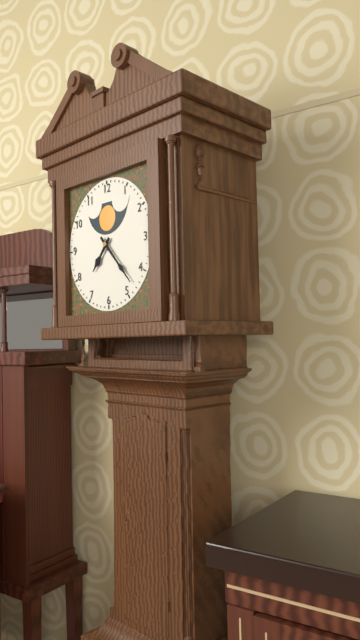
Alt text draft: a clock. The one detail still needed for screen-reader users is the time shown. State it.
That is 7:23
